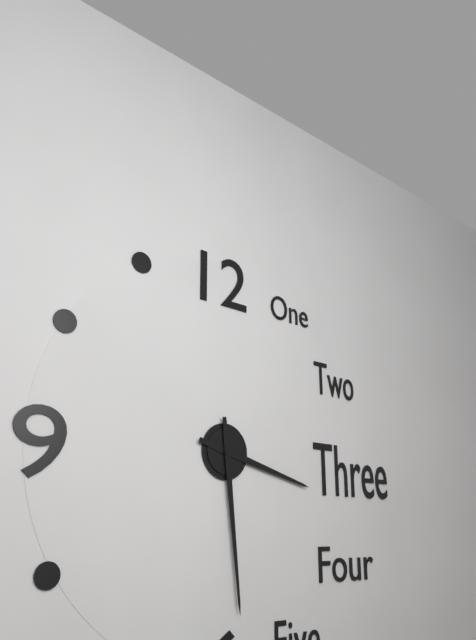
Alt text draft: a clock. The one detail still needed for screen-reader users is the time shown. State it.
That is 3:29
